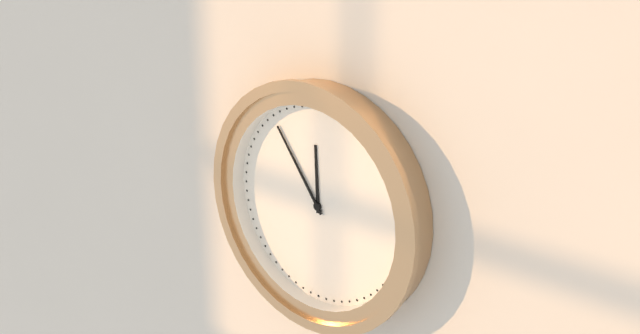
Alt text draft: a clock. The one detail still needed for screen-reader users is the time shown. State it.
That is 11:54
